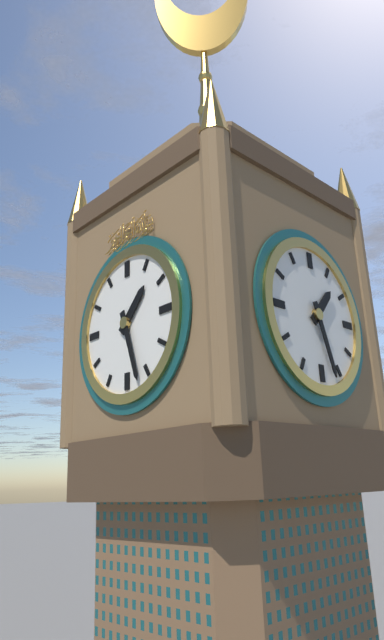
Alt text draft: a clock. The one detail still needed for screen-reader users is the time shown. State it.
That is 1:27
